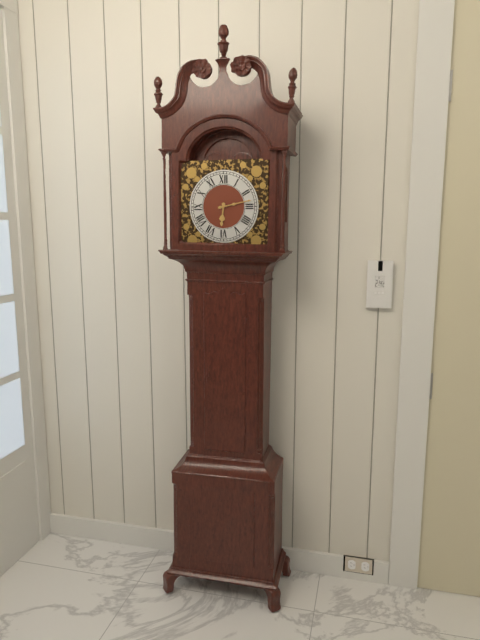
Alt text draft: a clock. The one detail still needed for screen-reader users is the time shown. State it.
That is 6:13
